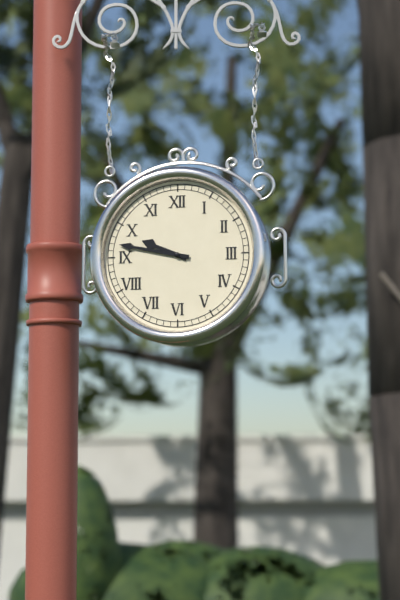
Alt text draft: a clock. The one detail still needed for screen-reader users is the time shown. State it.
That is 9:47
